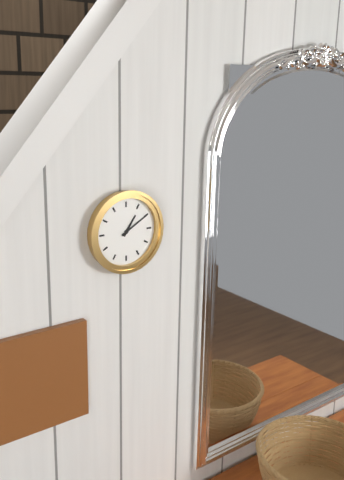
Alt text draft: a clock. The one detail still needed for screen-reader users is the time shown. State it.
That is 1:10
